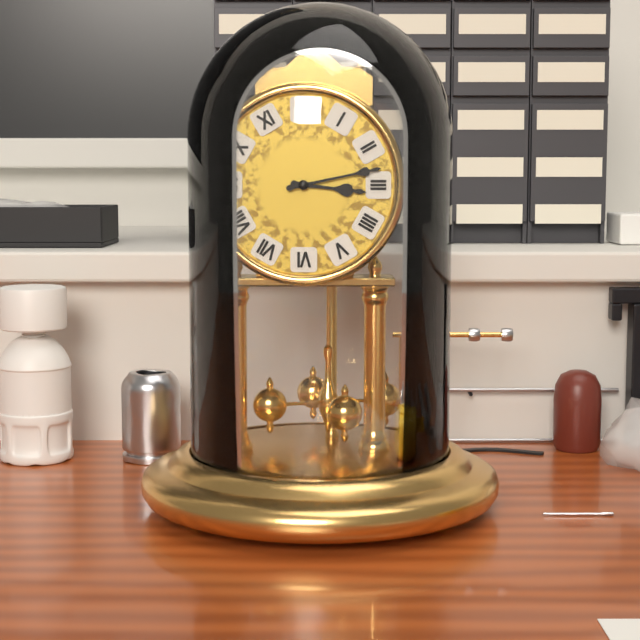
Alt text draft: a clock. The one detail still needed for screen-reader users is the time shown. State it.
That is 3:13
